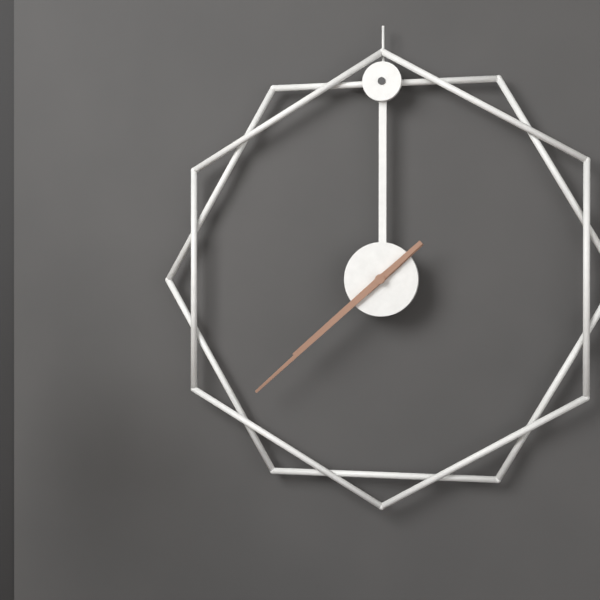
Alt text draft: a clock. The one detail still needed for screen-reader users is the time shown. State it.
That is 7:38
